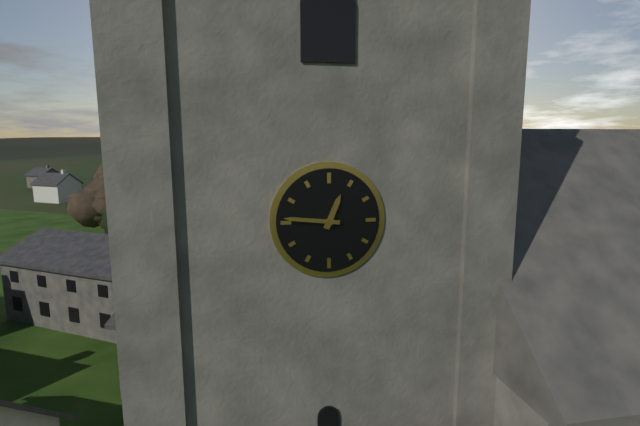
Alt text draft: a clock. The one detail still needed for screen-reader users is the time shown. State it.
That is 12:46
